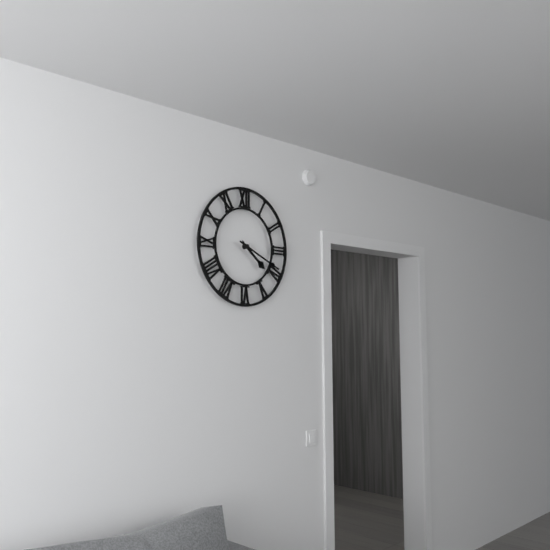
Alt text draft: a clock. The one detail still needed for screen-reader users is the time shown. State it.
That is 4:19
